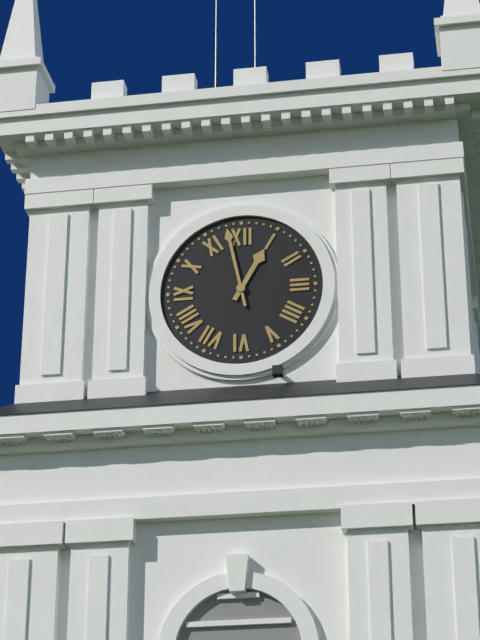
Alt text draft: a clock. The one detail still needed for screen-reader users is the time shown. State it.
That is 12:58
